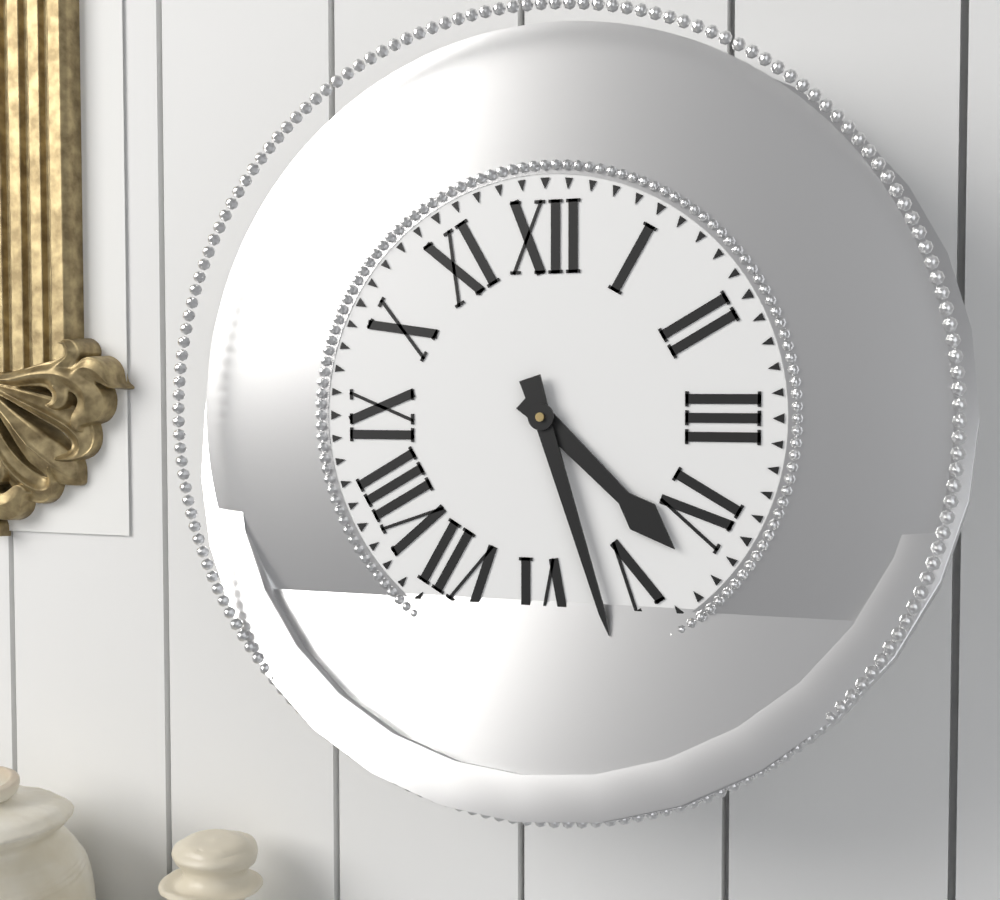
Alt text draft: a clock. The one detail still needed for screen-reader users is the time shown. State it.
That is 4:27
